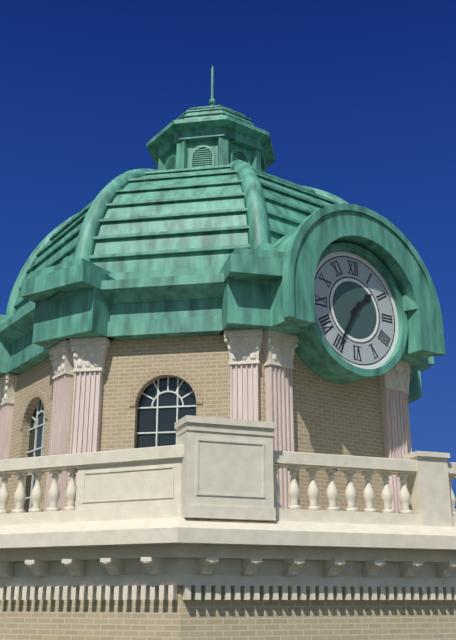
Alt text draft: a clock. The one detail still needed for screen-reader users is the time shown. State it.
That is 1:35
